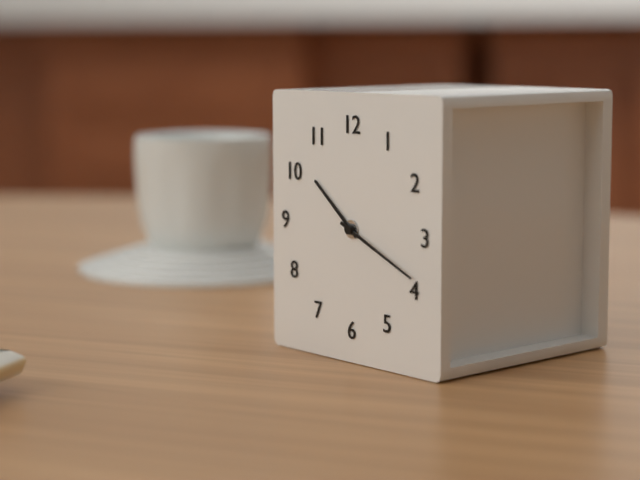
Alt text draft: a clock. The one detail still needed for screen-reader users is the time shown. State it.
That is 10:19
